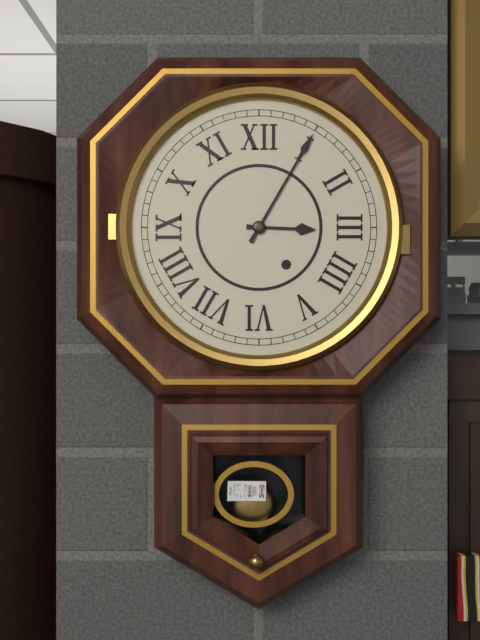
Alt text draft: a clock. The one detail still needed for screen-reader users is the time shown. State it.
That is 3:05
